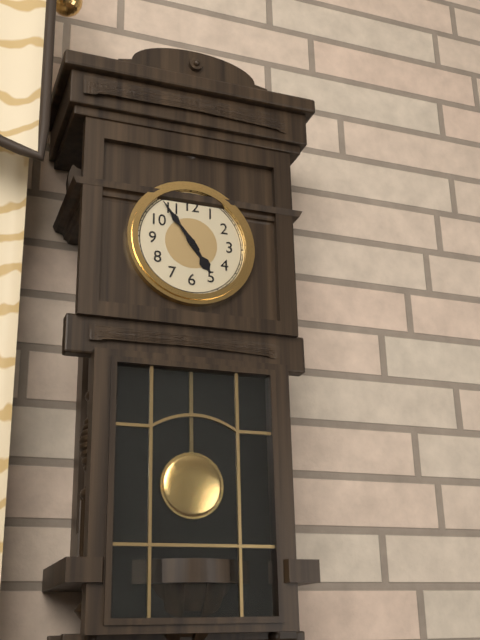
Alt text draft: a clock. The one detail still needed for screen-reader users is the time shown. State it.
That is 4:54
